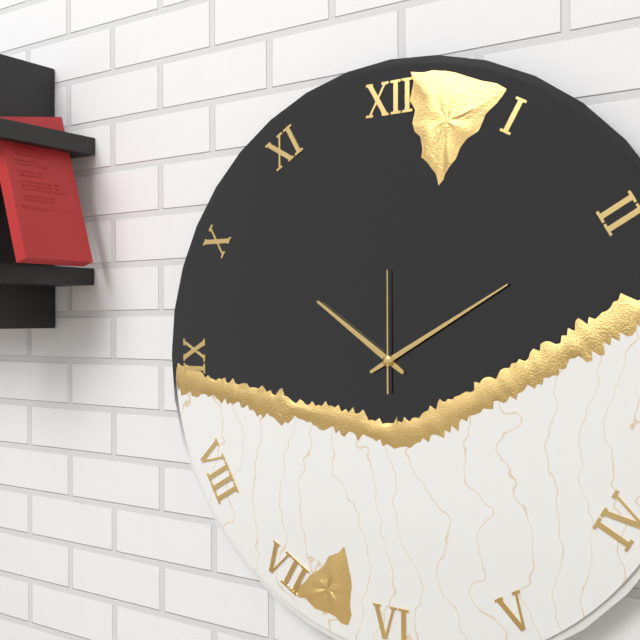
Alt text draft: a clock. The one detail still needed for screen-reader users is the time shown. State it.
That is 10:10:00
